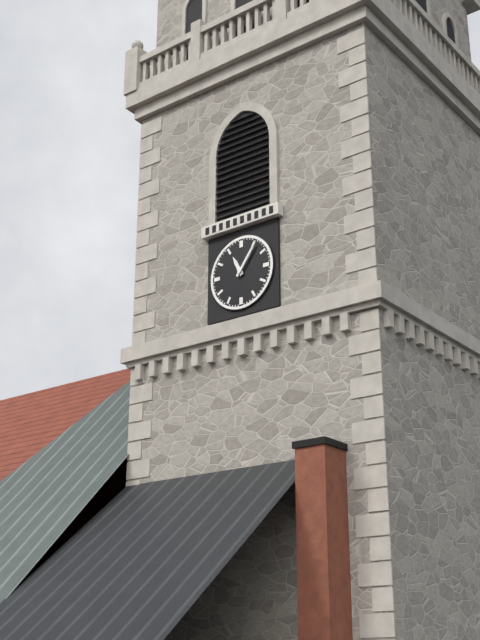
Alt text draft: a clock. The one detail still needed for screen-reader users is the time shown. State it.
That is 11:06
